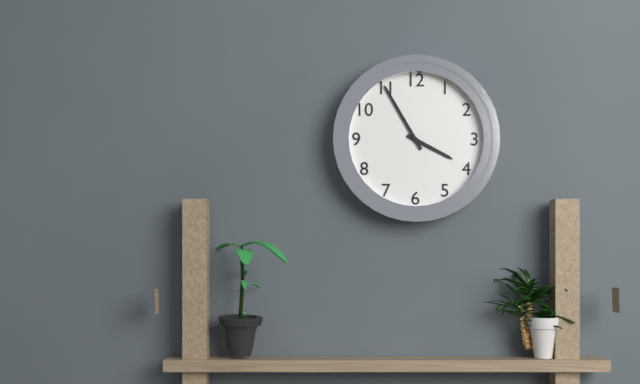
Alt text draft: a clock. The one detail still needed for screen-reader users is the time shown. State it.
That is 3:55
